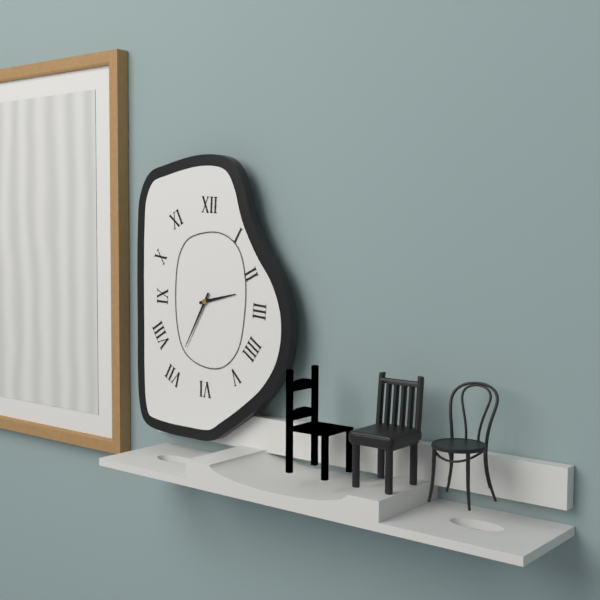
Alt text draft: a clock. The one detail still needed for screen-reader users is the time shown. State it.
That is 2:35
